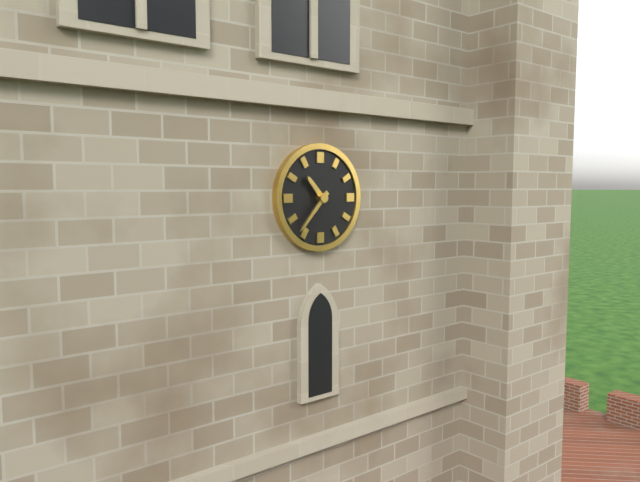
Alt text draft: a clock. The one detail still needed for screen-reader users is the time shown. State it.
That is 10:37
